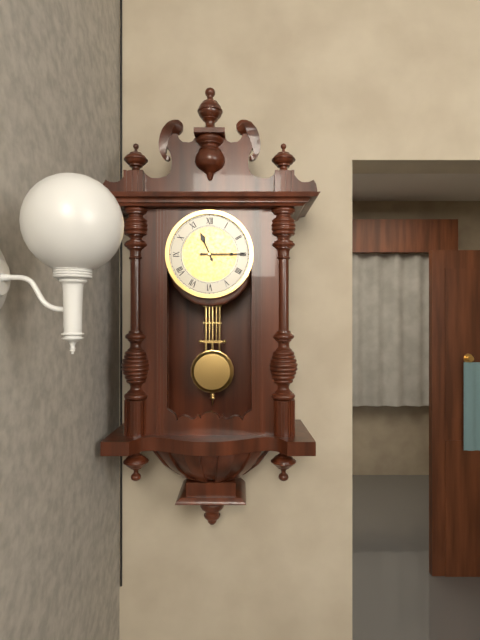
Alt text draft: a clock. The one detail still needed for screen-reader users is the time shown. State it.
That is 11:15
